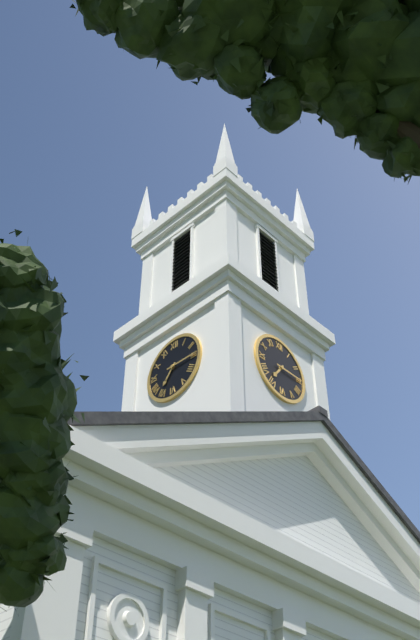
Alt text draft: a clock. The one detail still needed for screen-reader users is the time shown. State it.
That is 7:15
